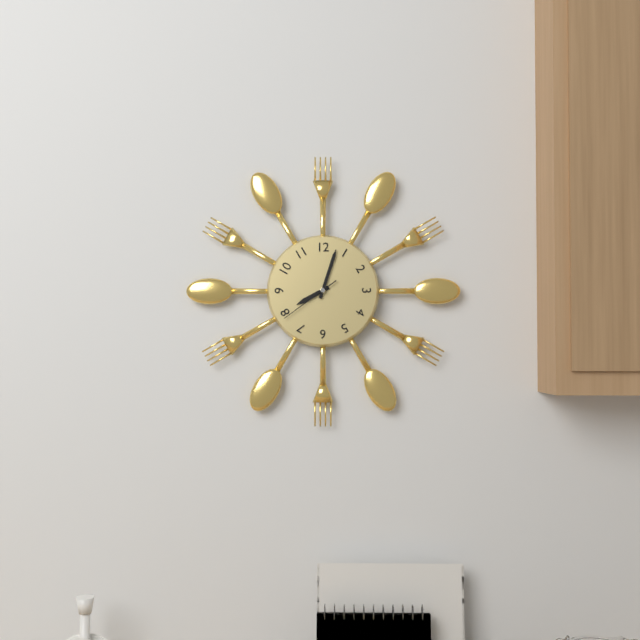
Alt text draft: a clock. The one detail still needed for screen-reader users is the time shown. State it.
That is 8:03:39
